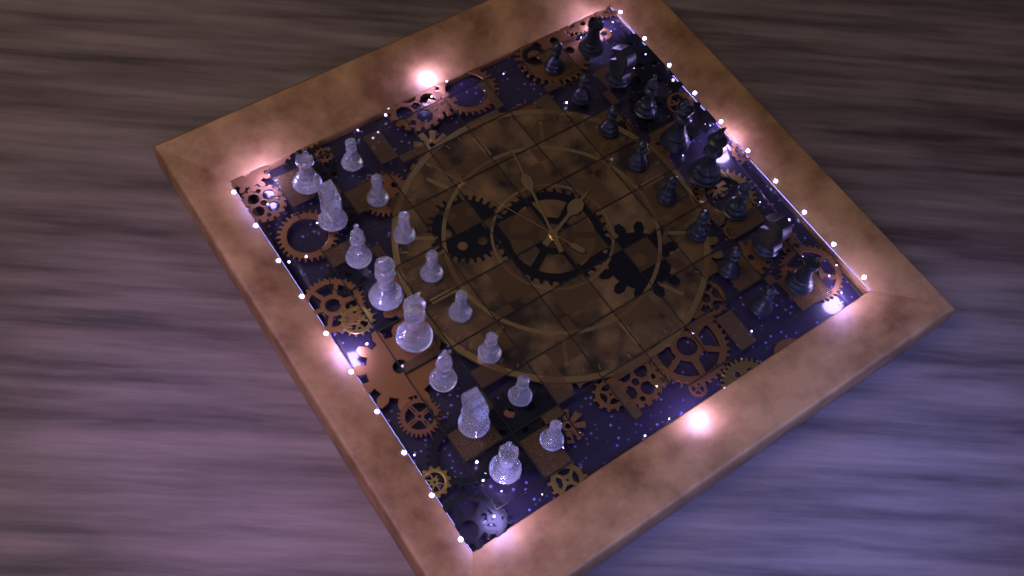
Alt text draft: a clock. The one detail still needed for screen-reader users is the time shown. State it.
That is 5:17:11
